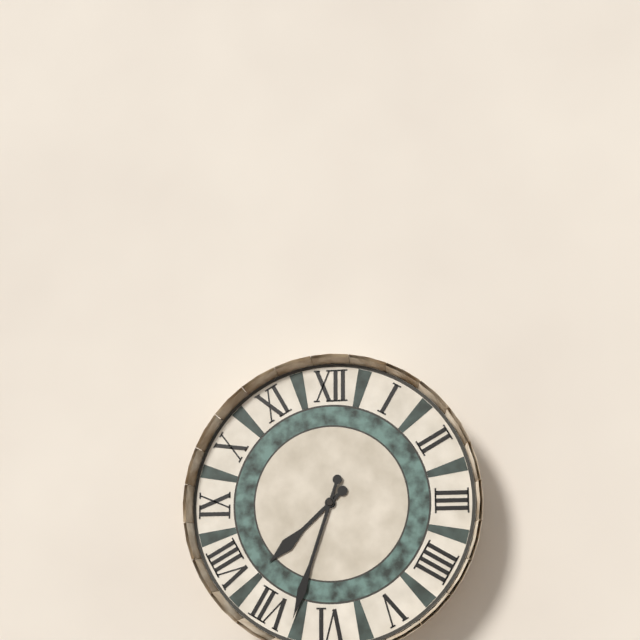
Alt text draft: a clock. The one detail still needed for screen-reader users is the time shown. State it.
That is 7:33
